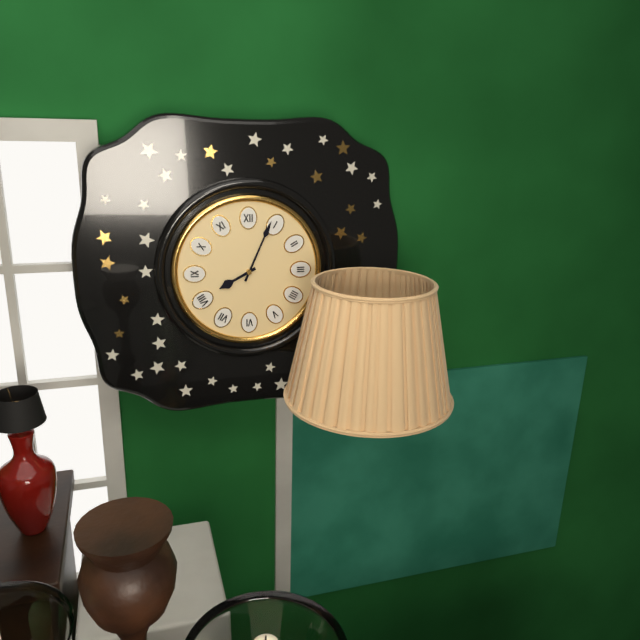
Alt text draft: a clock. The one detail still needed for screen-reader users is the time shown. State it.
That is 8:04
